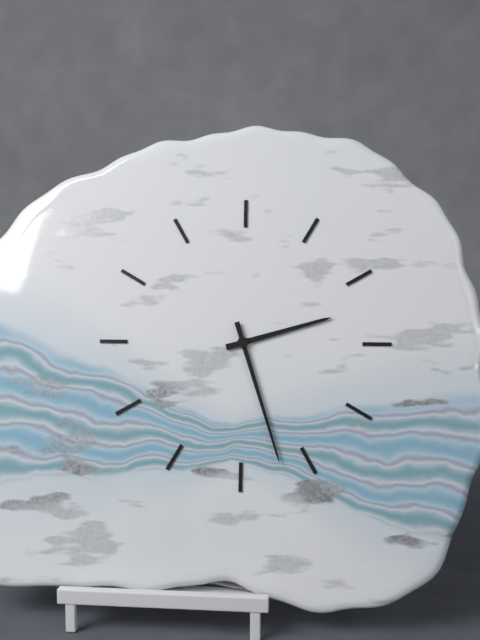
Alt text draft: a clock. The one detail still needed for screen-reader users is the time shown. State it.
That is 2:27
